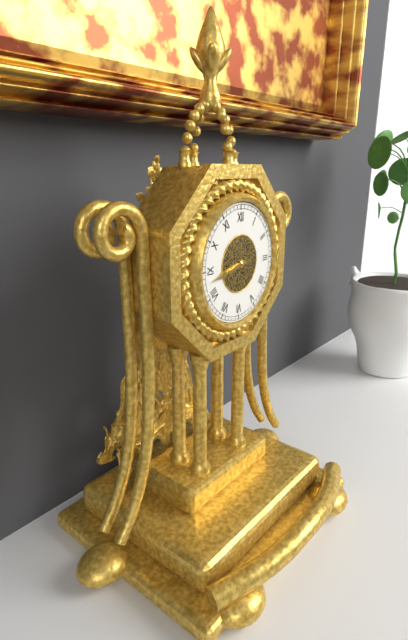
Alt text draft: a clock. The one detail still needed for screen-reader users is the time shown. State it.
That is 8:43
